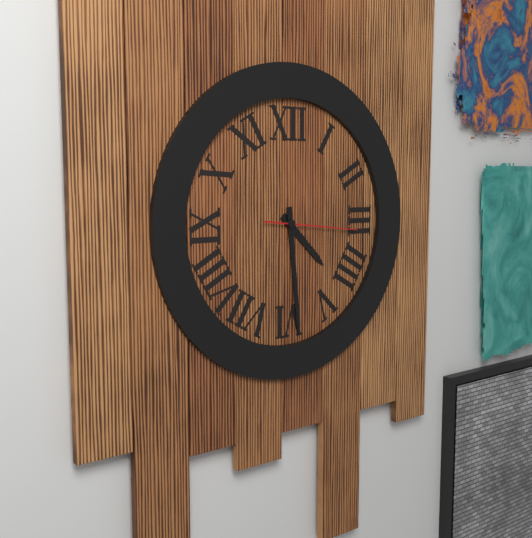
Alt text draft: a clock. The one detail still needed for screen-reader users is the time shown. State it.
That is 4:29:16
